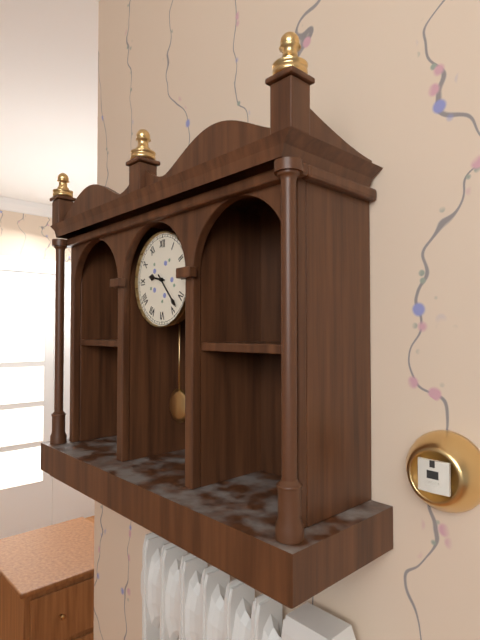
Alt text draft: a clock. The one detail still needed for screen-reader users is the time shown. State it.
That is 9:23
